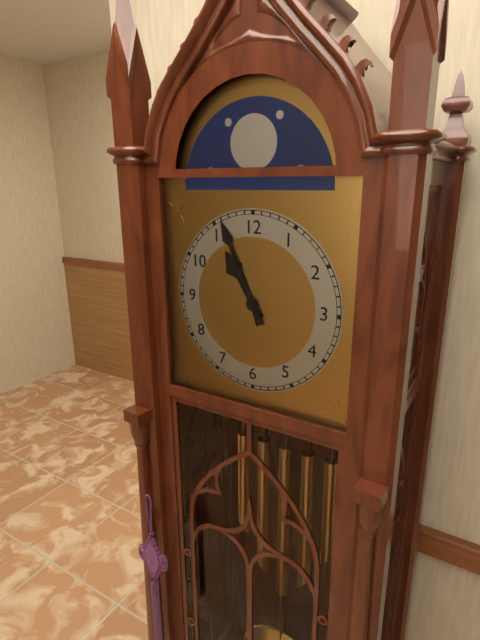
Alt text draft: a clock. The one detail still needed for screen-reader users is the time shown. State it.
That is 10:56
